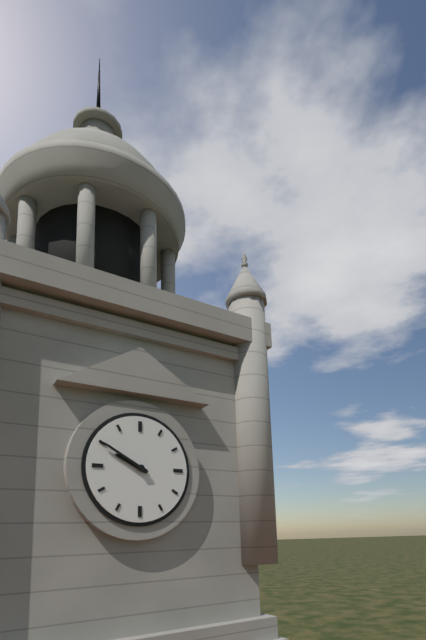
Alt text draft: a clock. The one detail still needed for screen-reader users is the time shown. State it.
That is 9:50
